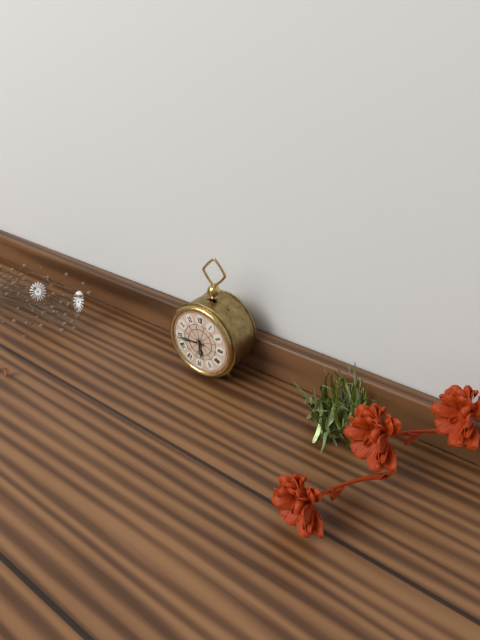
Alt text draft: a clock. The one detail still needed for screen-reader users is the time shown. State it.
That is 5:44
